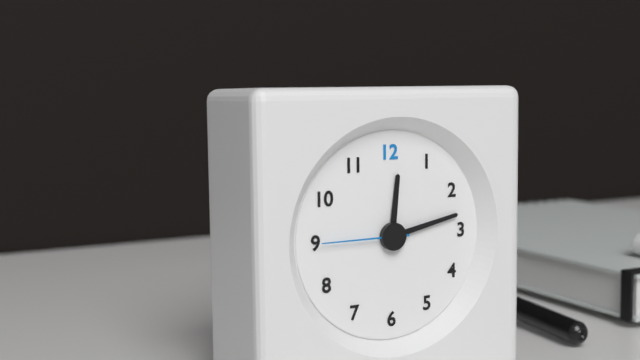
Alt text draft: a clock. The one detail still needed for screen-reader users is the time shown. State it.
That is 12:13:45
